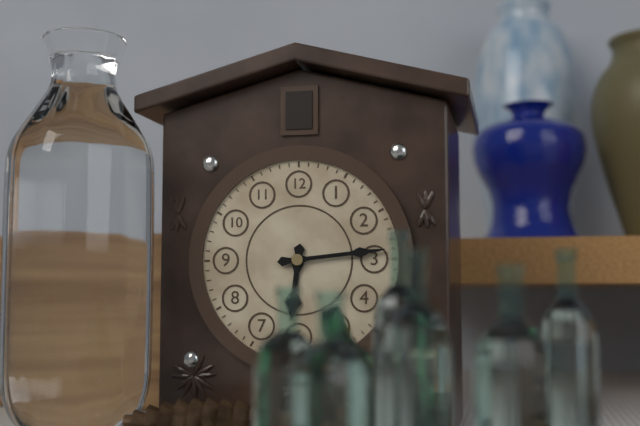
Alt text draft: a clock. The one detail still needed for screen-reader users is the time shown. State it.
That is 6:14
